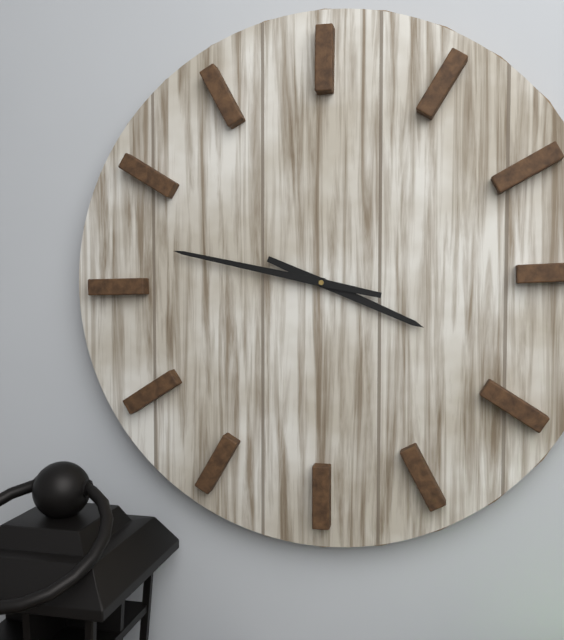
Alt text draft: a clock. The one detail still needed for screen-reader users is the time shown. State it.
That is 3:47
